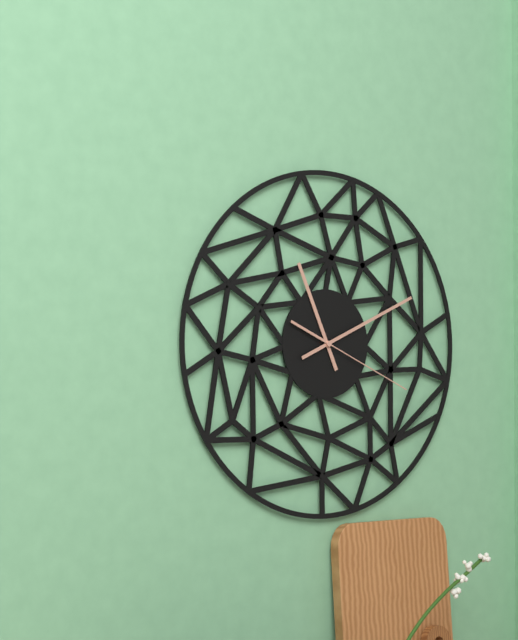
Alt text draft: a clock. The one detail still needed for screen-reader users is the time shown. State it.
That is 11:11:19
